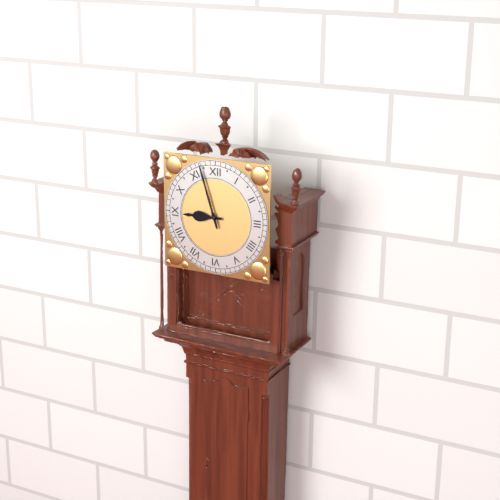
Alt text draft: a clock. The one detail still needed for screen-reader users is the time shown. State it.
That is 8:57
